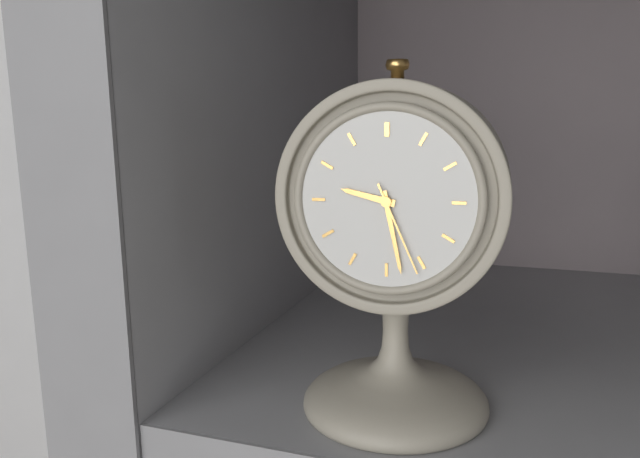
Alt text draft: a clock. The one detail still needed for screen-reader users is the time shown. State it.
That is 9:28:26
